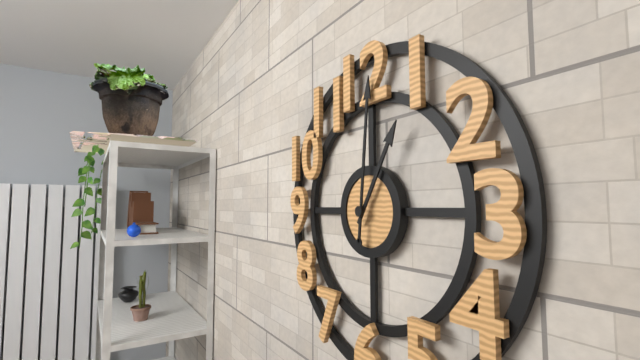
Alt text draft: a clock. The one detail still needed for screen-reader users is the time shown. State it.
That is 1:01
